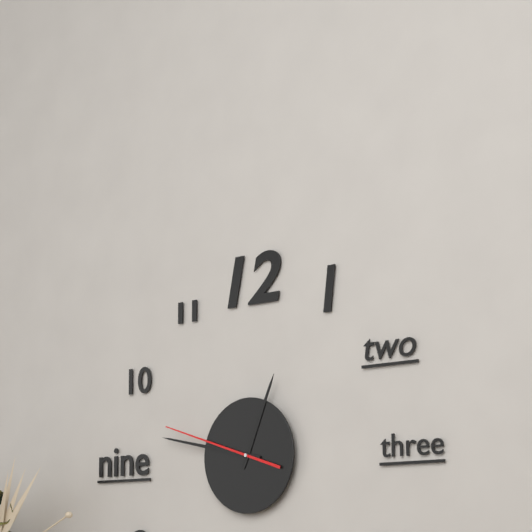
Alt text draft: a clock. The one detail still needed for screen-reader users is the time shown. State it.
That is 12:47:48
